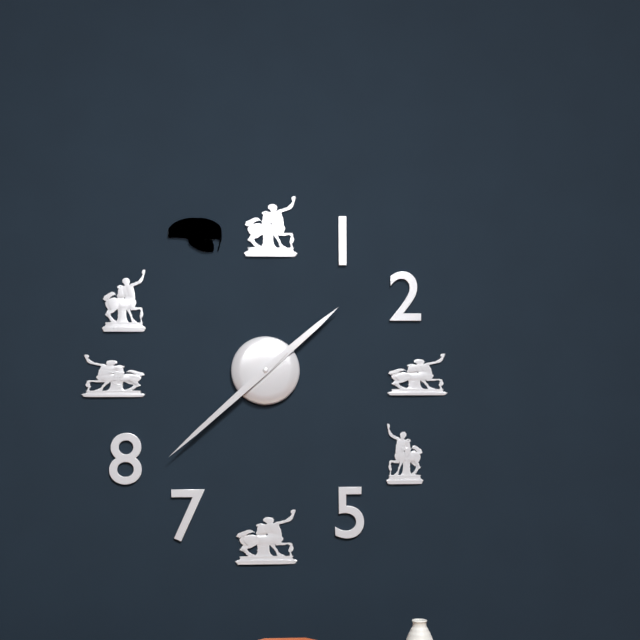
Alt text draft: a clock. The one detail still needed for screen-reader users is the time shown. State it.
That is 1:38
